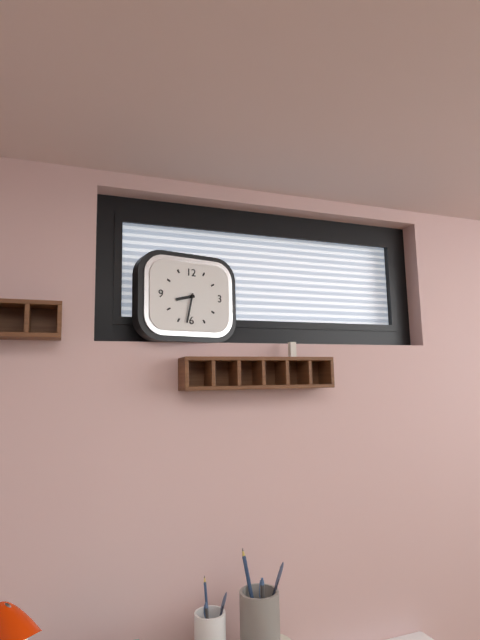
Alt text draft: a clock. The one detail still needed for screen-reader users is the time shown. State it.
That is 8:32
